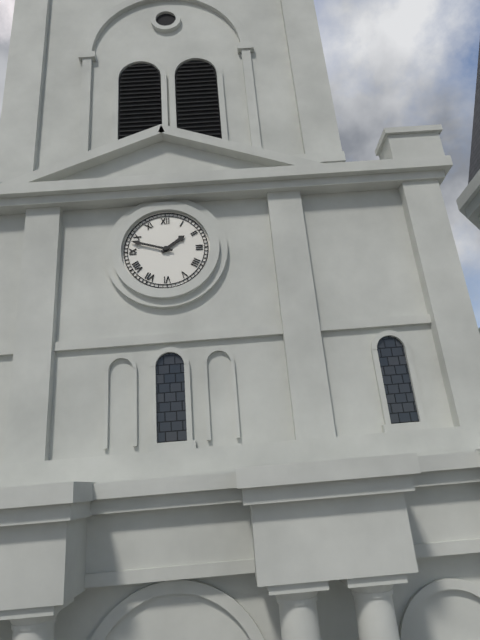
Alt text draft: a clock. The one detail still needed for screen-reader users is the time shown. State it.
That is 1:48
